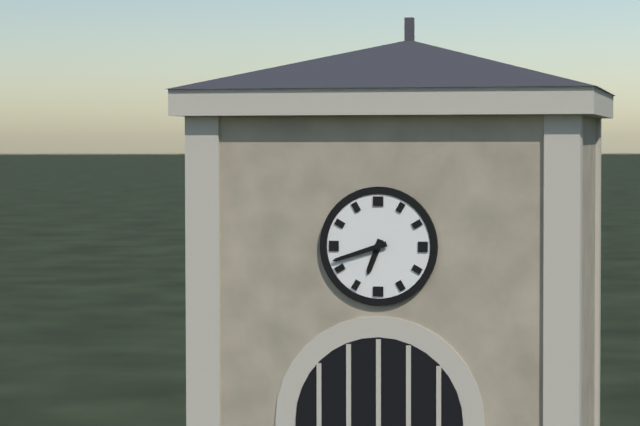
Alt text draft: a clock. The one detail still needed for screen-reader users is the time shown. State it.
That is 6:42
